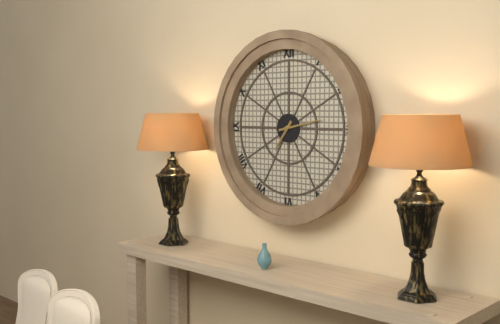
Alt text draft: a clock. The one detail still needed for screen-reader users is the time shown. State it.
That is 7:13
